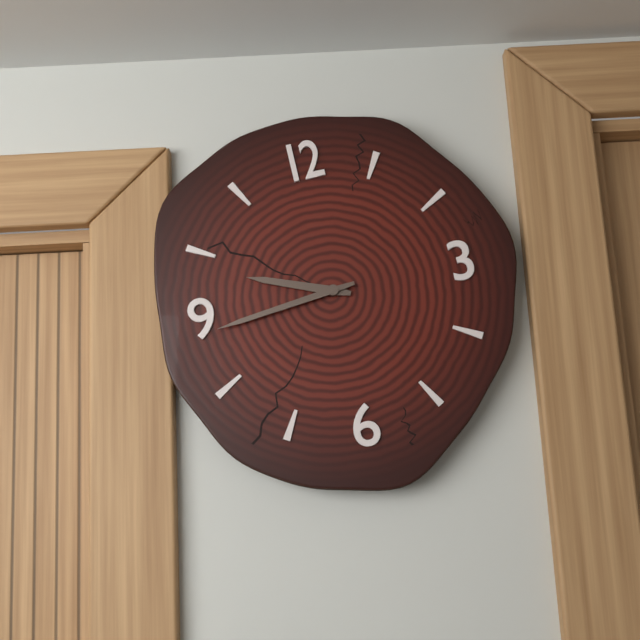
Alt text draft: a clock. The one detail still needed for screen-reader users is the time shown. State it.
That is 9:44
